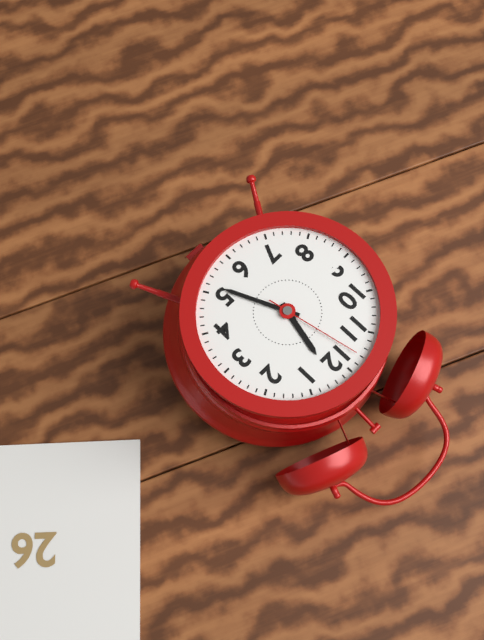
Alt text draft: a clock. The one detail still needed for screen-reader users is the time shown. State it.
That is 12:26:58
